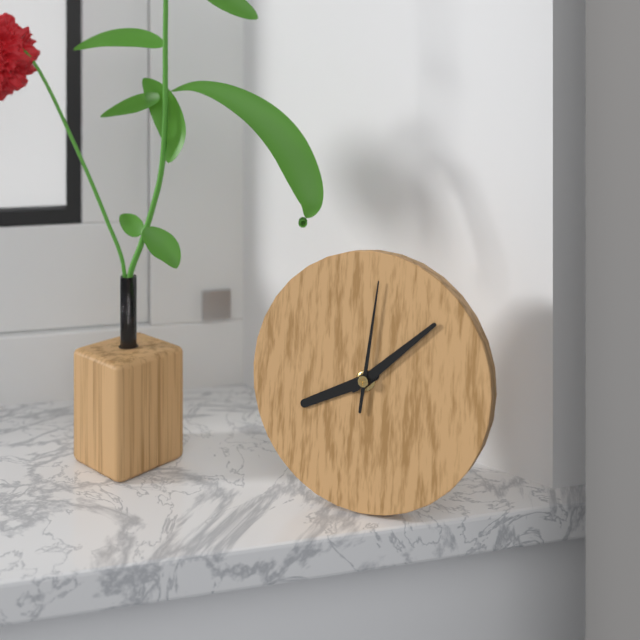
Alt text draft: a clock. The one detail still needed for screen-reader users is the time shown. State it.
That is 8:08:01
